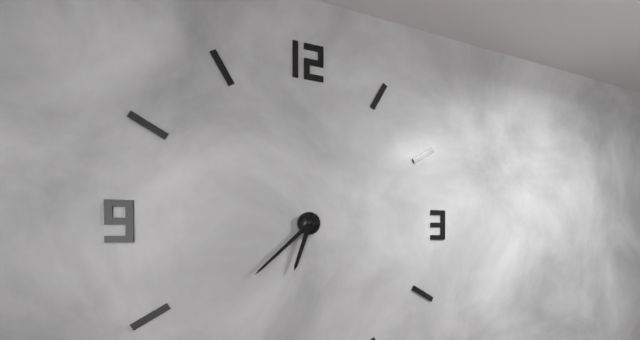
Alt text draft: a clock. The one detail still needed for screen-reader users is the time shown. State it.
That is 6:38
